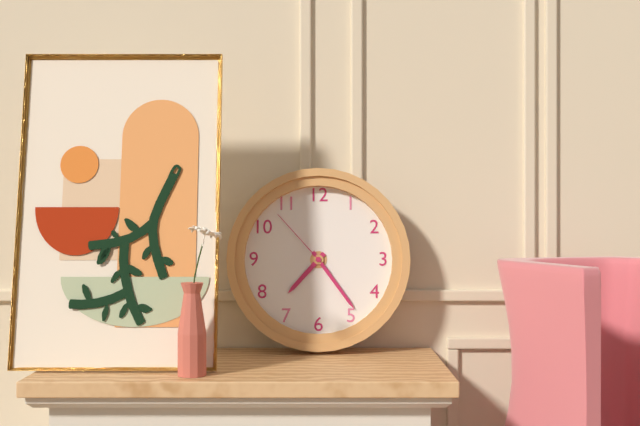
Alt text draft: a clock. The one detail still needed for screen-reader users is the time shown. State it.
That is 7:24:53
